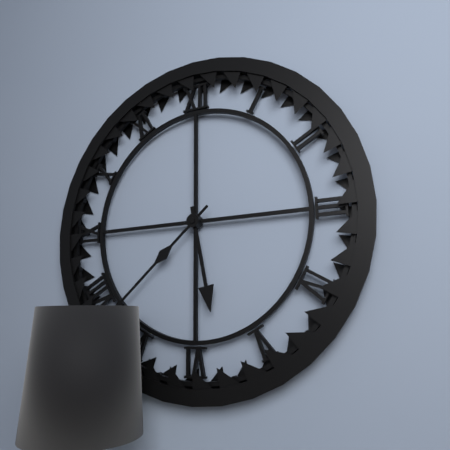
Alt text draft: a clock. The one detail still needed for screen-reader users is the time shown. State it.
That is 5:38
